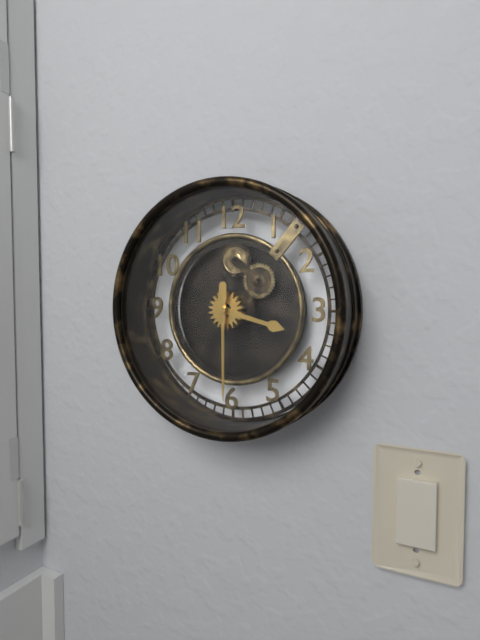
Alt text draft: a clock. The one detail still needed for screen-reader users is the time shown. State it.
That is 3:30
